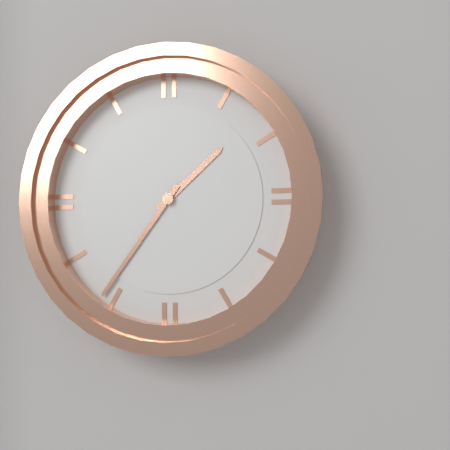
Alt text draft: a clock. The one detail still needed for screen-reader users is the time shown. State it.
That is 1:36
